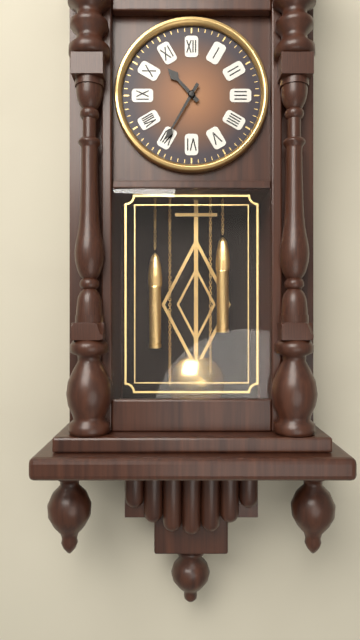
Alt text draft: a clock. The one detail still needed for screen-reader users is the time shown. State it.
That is 10:35
